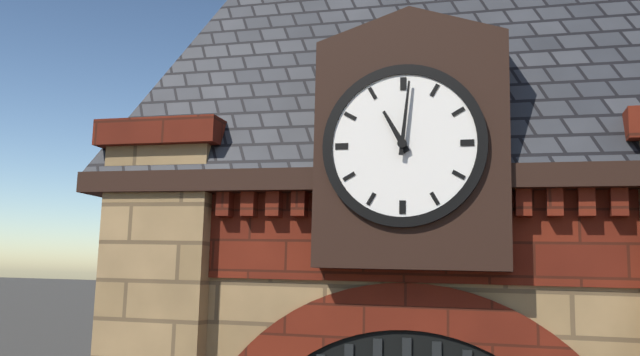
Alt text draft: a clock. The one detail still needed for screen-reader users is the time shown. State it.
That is 11:01
